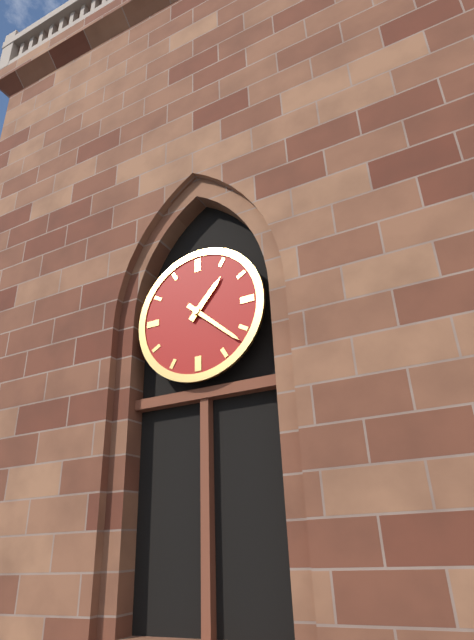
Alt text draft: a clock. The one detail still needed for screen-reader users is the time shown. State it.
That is 1:22
